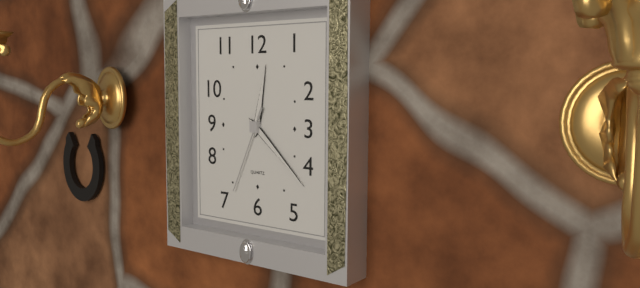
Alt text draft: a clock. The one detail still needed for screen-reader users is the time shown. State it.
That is 12:22:34
